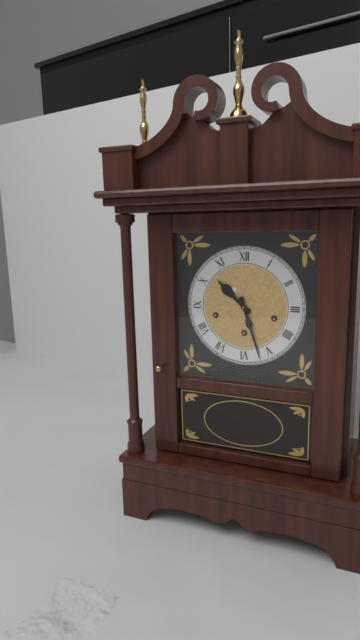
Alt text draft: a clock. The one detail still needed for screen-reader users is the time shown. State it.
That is 10:27
